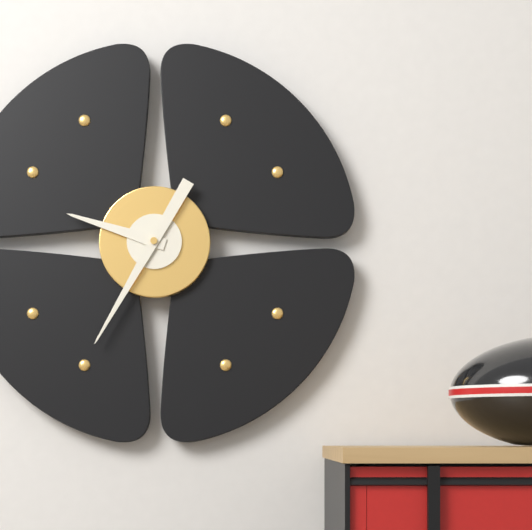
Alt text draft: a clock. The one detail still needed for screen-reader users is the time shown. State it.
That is 9:35
